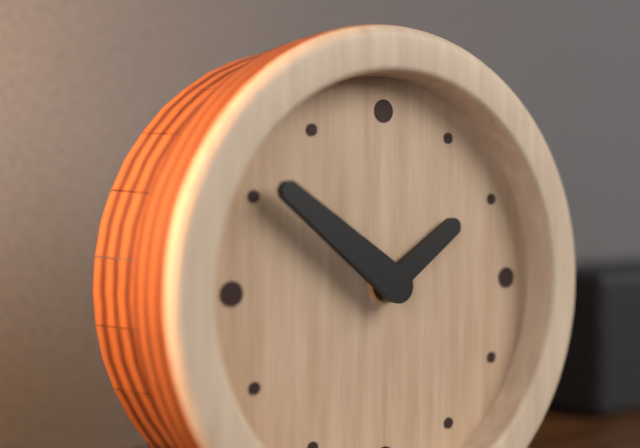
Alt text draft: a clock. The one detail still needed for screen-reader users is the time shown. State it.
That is 1:51
